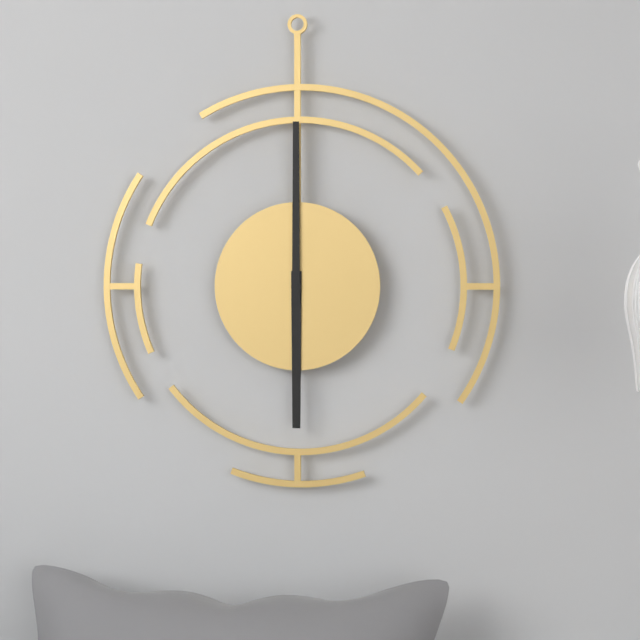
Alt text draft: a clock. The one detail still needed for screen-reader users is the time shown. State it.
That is 6:00
